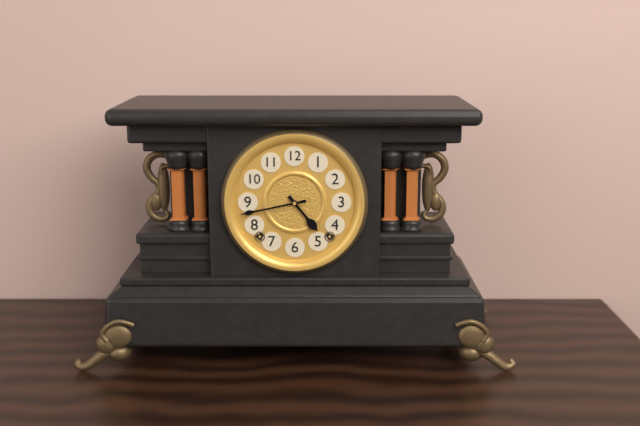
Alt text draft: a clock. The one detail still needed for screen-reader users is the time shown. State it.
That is 4:43
